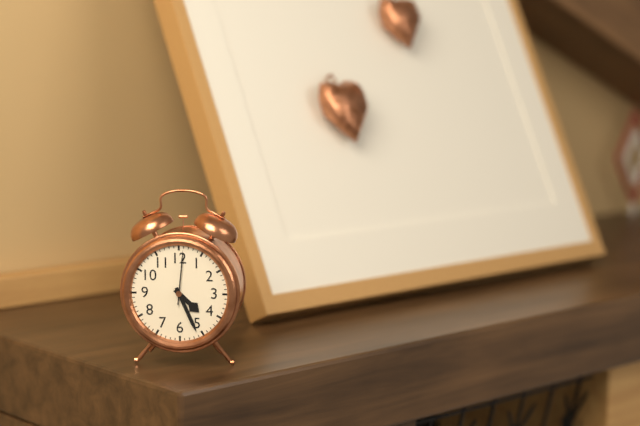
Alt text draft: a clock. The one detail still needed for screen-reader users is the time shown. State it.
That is 4:26:01
